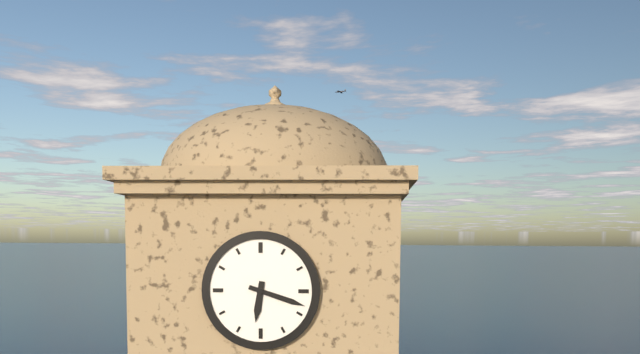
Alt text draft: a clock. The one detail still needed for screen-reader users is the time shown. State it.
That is 6:18
